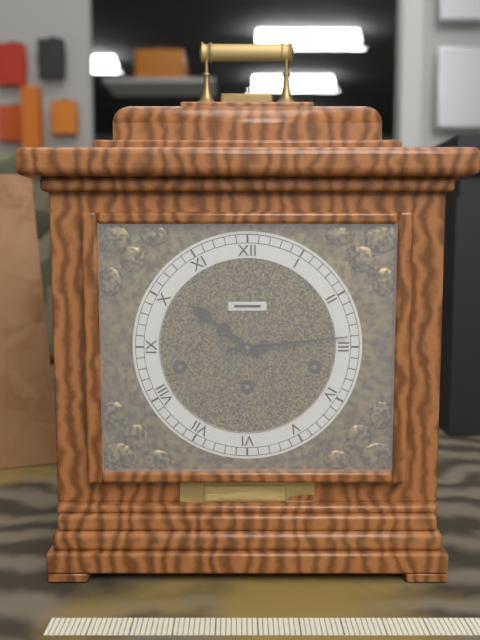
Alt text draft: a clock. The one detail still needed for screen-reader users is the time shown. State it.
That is 10:14
